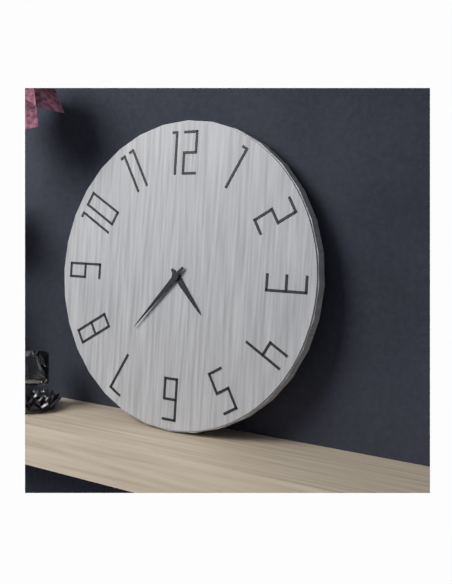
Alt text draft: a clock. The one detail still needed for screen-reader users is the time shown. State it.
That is 4:37
